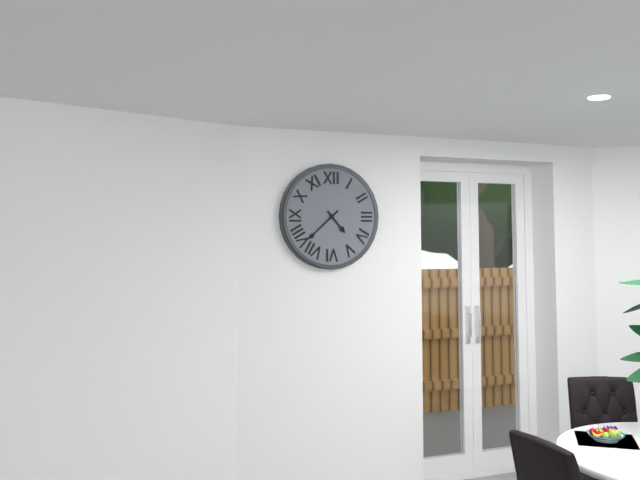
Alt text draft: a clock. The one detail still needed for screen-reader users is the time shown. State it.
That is 4:38
